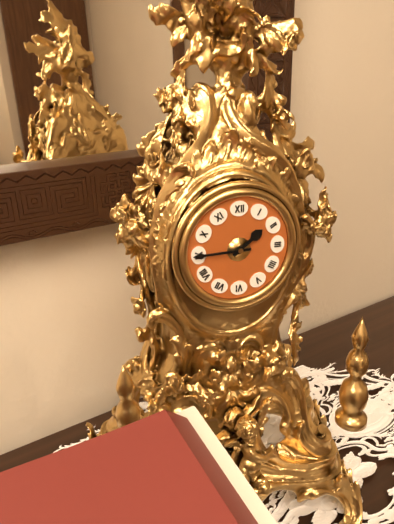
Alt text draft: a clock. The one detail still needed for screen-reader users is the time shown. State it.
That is 1:45
